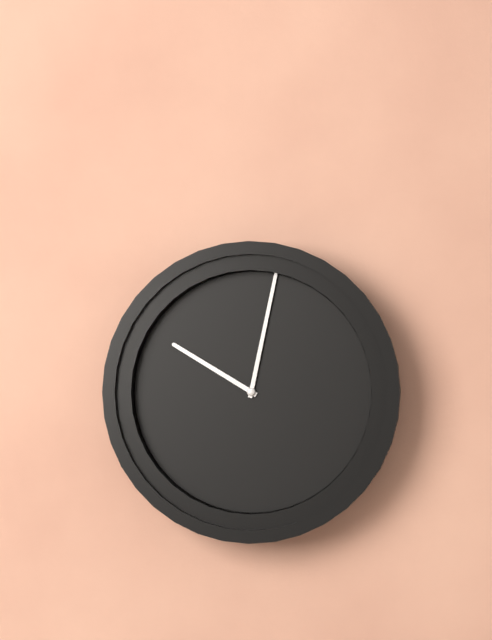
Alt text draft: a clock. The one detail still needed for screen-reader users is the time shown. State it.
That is 10:02
